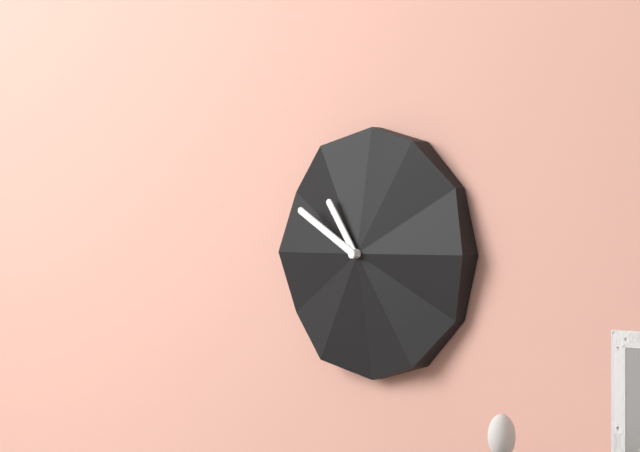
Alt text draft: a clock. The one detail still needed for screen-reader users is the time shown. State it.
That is 10:50
